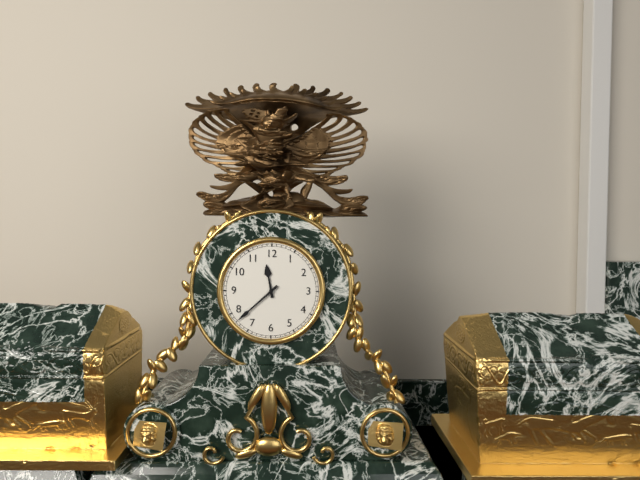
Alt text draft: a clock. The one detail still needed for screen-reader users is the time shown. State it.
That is 11:38
